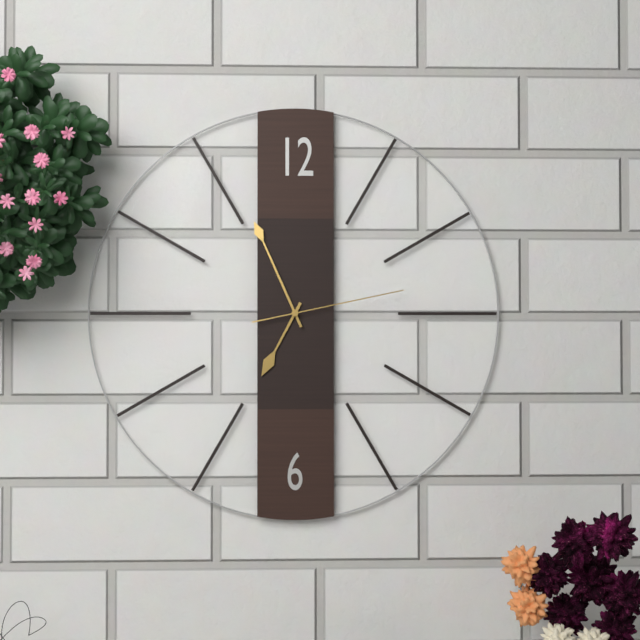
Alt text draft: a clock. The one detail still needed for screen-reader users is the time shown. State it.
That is 6:56:13
